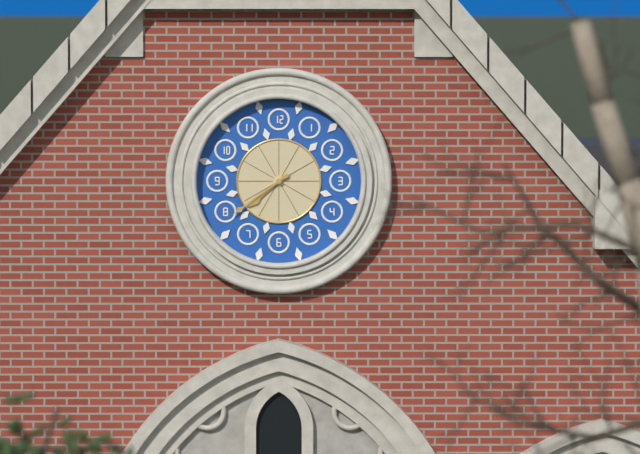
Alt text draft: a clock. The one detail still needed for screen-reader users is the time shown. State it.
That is 7:39
